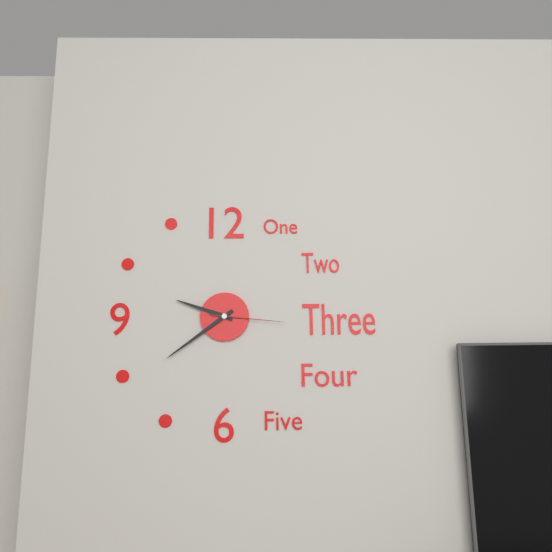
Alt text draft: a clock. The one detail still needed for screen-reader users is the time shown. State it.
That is 9:39:16
